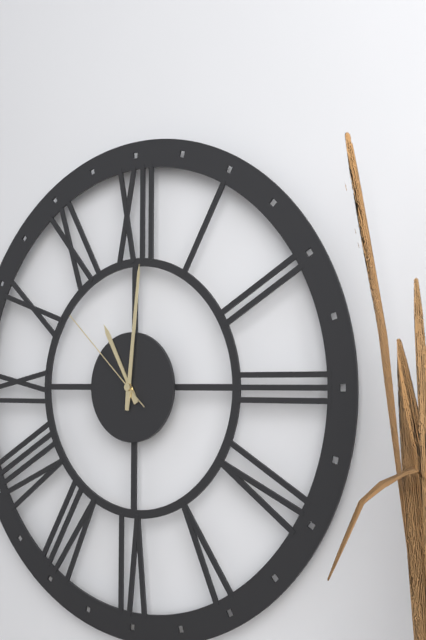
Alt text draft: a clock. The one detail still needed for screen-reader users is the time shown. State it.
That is 11:01:52
